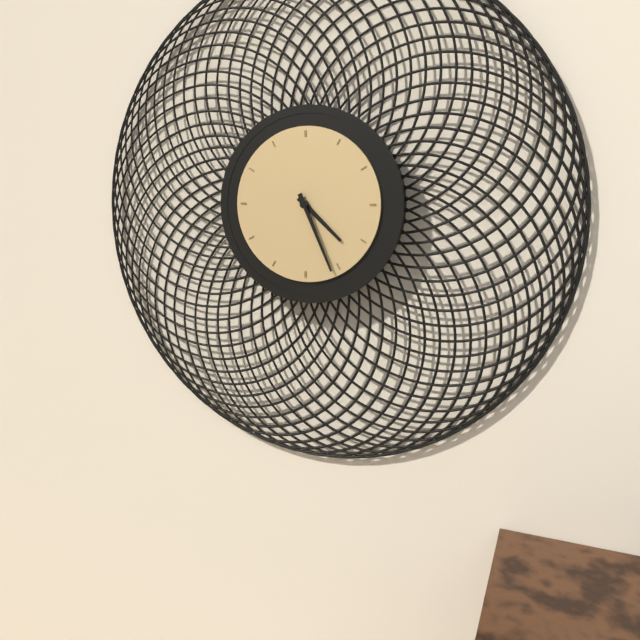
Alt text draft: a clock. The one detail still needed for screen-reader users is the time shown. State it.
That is 4:26
